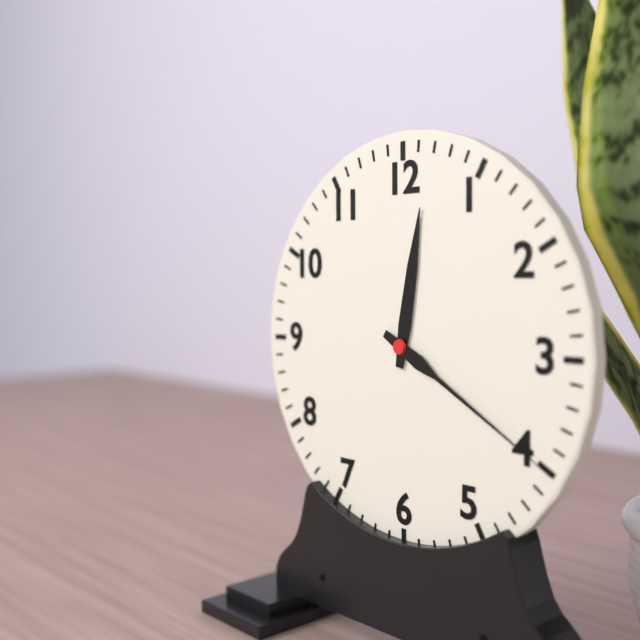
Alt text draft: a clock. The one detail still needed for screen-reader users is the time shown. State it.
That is 12:20
